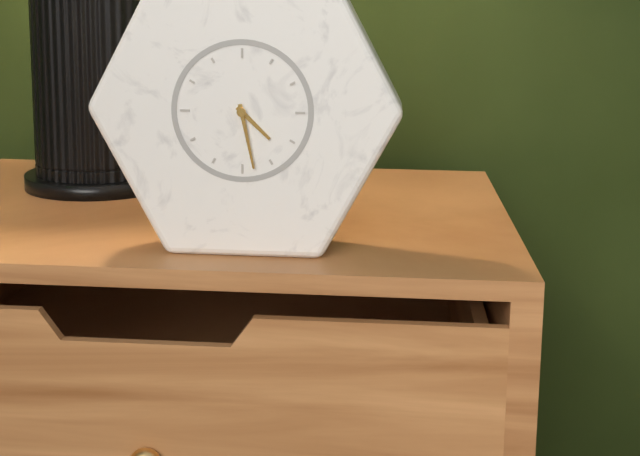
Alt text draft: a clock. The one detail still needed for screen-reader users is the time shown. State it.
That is 4:28
